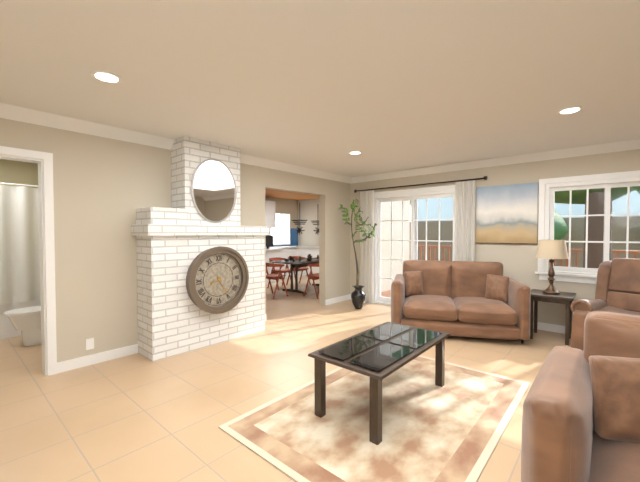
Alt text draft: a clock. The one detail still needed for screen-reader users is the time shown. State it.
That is 8:25
